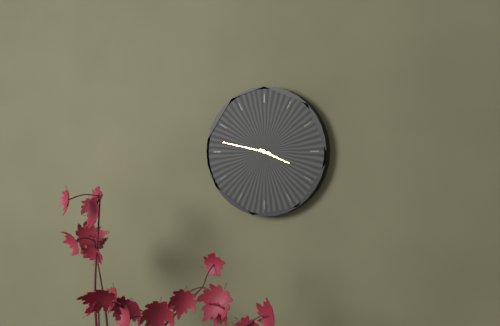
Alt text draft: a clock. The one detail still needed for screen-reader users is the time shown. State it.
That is 3:47
